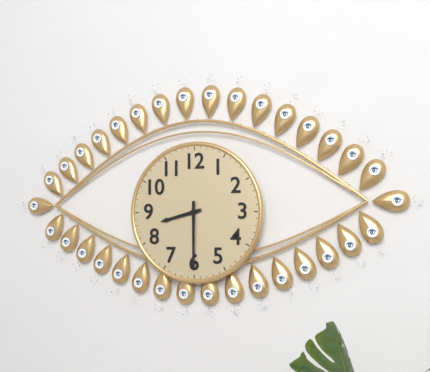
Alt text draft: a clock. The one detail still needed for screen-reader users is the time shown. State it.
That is 8:30
